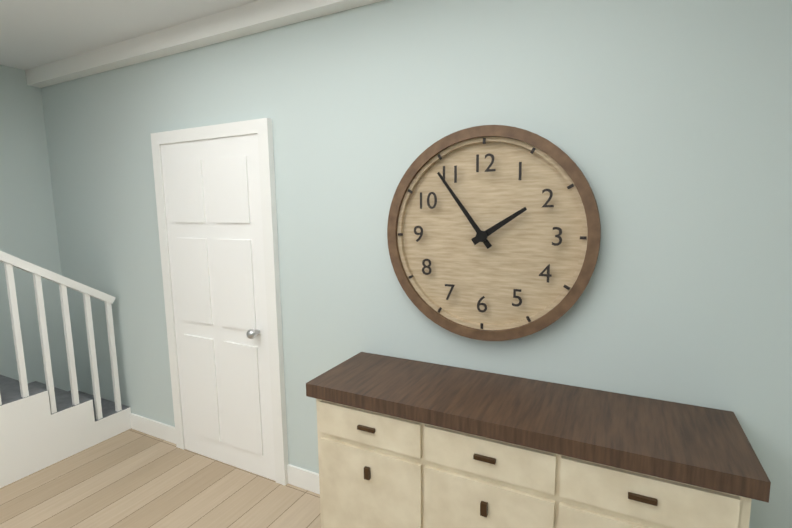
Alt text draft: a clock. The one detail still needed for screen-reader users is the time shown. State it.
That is 1:54
